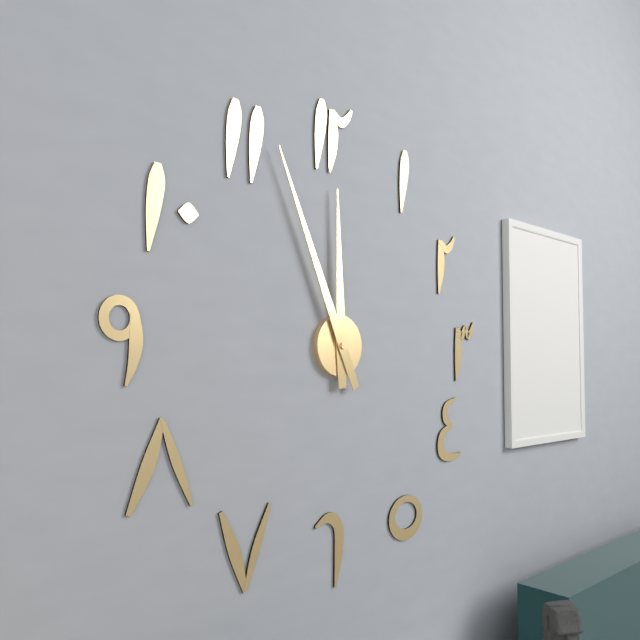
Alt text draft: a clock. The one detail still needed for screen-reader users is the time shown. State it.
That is 11:56
